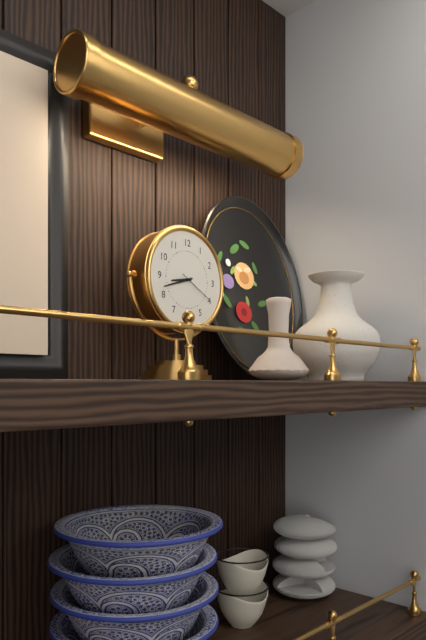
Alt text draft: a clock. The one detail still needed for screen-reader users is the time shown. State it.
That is 8:42
